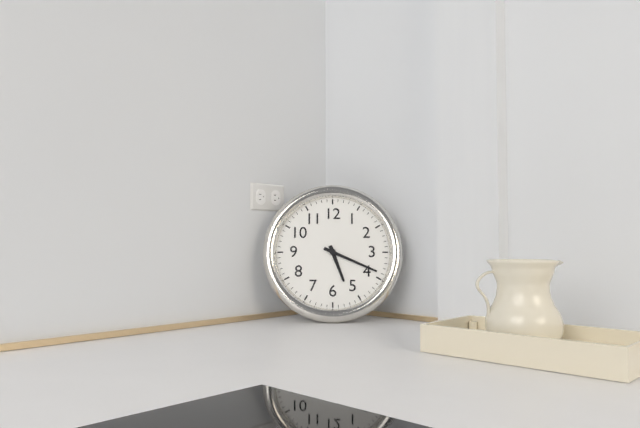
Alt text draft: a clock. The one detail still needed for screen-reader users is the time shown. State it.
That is 5:19
